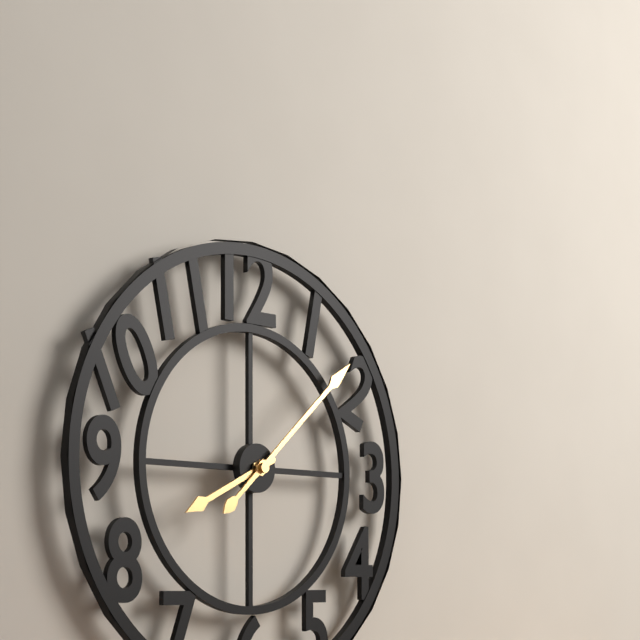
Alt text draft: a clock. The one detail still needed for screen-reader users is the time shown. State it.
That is 8:08
